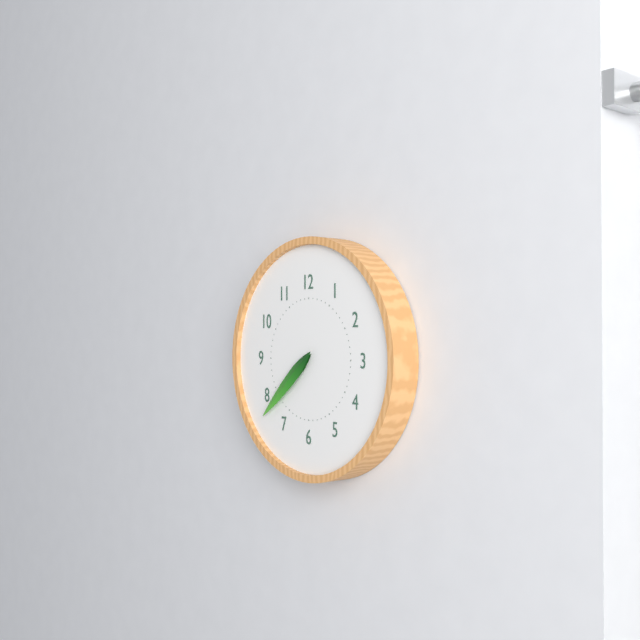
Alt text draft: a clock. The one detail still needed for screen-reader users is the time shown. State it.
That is 7:38
